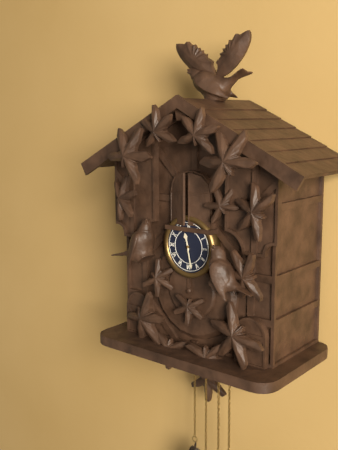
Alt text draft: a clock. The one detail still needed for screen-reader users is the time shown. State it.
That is 11:28
